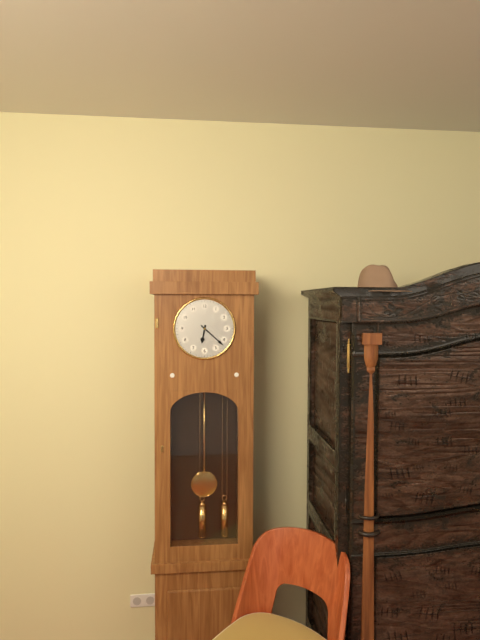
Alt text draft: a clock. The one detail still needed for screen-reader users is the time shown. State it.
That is 6:22
